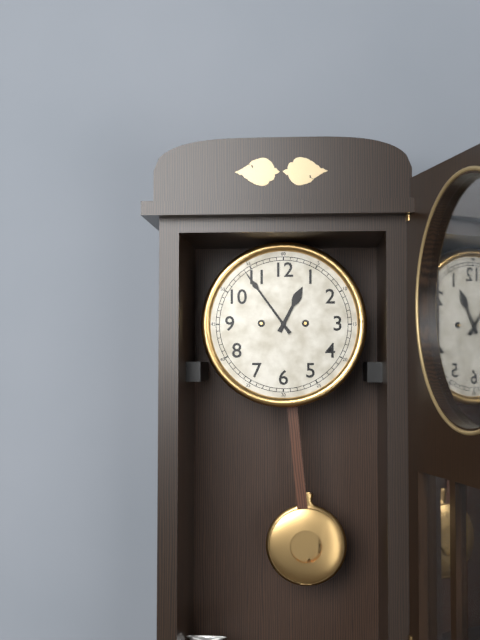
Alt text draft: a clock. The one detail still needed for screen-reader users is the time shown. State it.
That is 12:54
